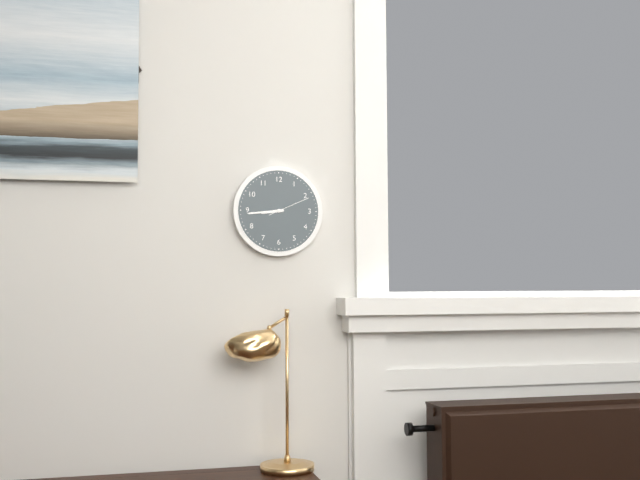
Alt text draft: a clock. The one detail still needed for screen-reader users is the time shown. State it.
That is 8:44
